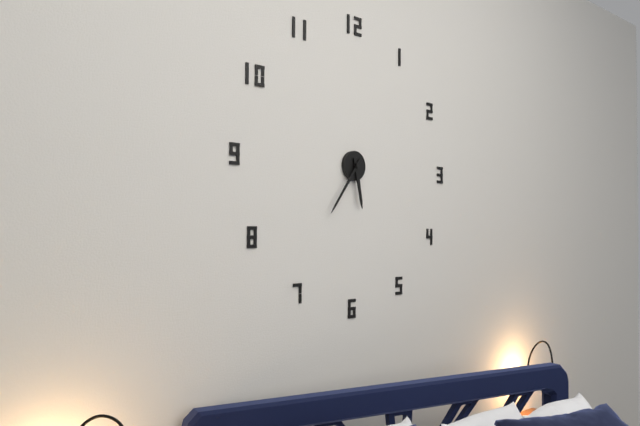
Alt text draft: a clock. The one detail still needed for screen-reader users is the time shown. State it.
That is 5:36
